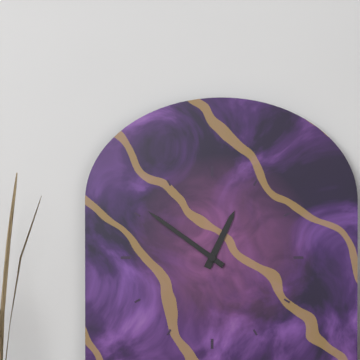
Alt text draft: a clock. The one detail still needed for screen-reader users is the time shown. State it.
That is 12:51
